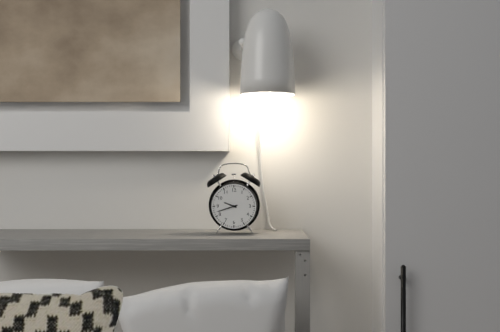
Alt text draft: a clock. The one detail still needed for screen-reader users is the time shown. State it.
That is 9:42
